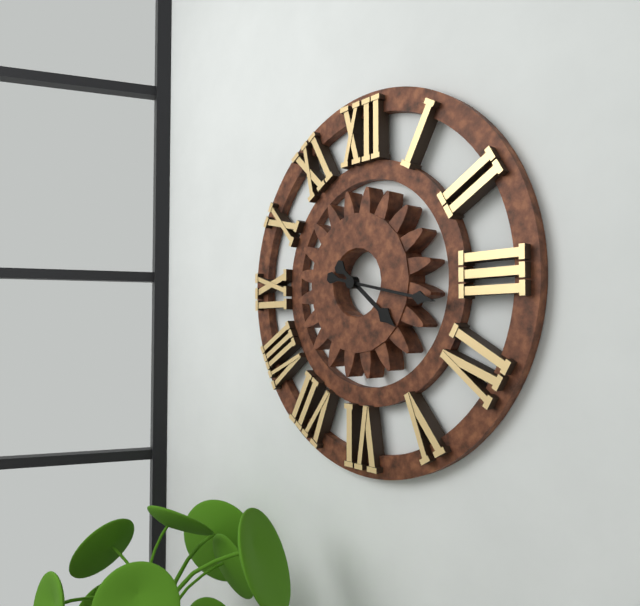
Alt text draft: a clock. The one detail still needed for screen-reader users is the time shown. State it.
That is 4:17
